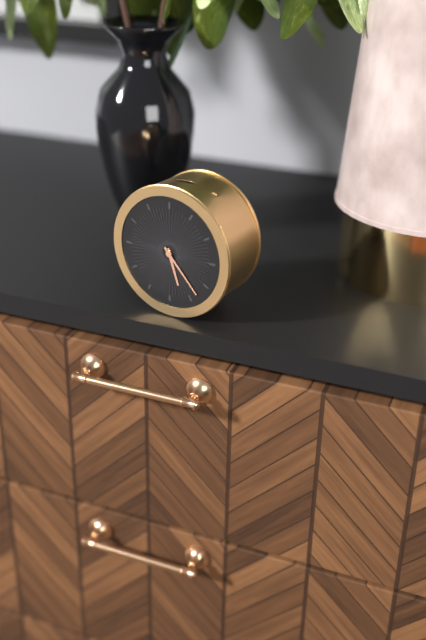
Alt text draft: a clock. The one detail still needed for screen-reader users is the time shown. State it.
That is 5:23
